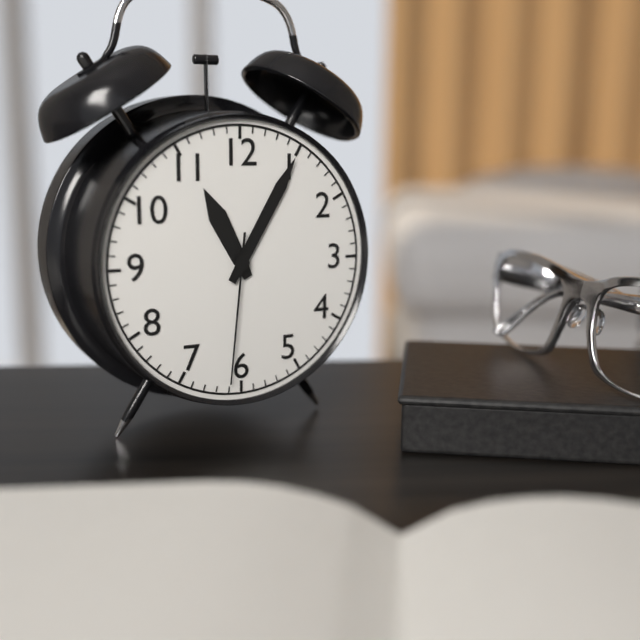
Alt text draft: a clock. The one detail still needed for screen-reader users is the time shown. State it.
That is 11:05:31
